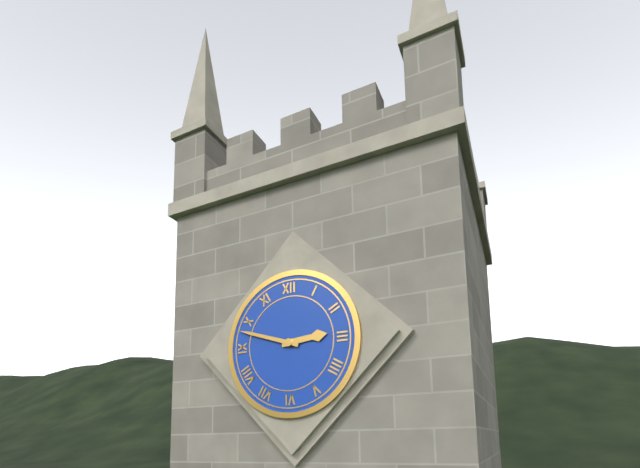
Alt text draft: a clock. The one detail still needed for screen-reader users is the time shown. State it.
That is 2:48
